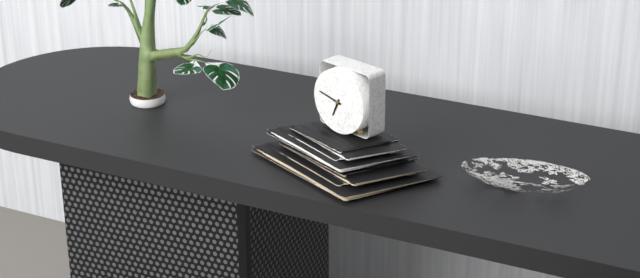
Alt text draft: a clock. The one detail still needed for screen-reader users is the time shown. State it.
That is 6:47
